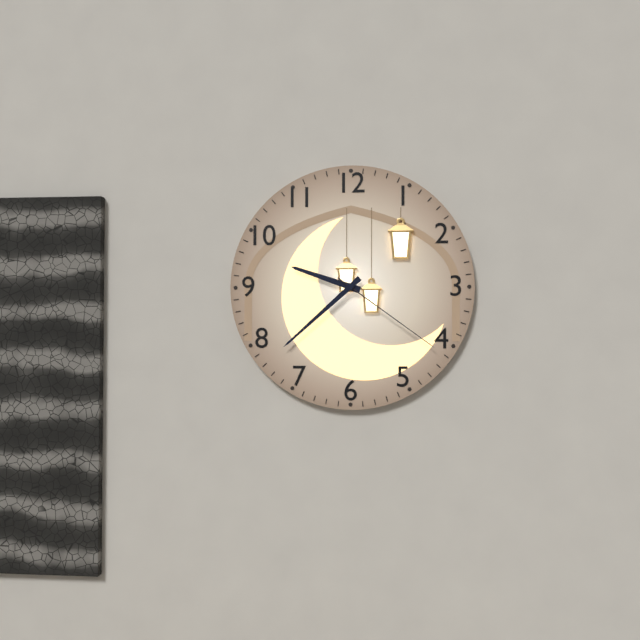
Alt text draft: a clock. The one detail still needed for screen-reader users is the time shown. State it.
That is 9:38:21
